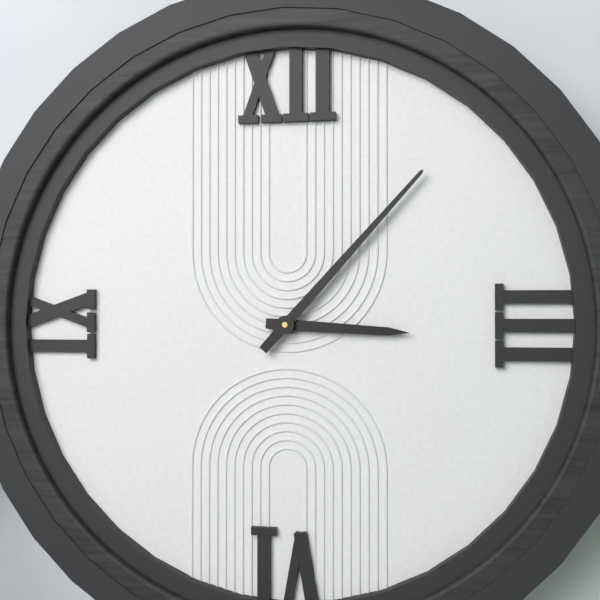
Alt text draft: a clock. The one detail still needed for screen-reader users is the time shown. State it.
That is 3:07
